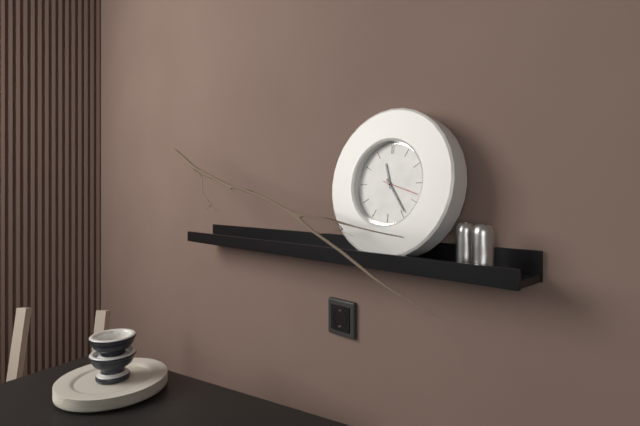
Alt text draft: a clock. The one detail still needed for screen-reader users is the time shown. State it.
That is 11:24
